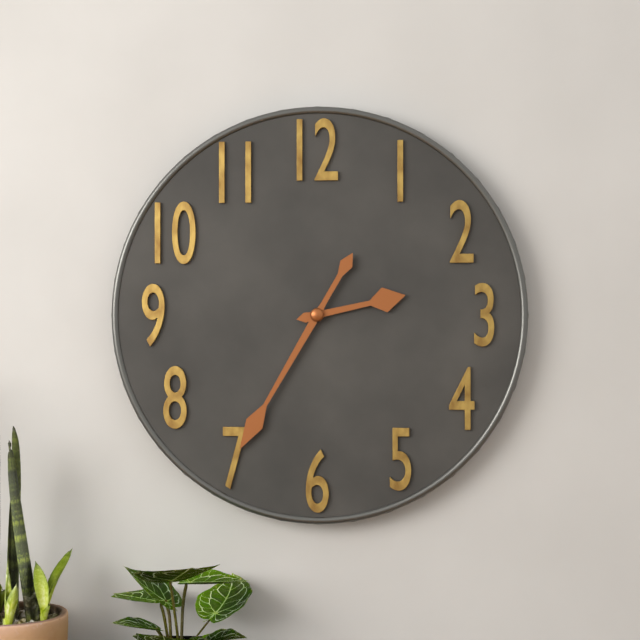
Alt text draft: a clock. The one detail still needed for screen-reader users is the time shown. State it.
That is 2:35
